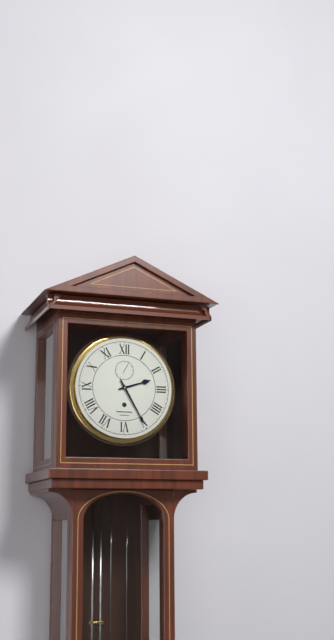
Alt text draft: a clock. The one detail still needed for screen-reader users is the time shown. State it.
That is 2:25
